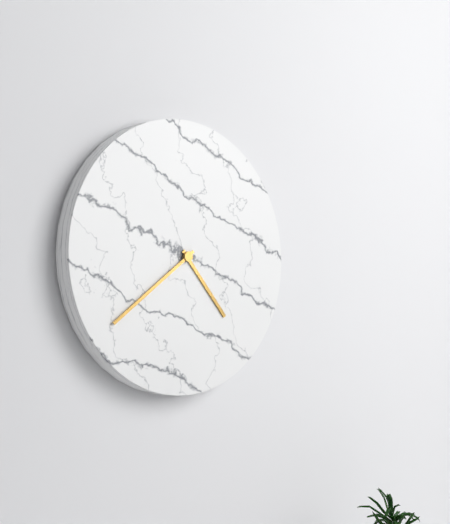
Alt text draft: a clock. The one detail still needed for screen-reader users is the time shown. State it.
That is 4:39
